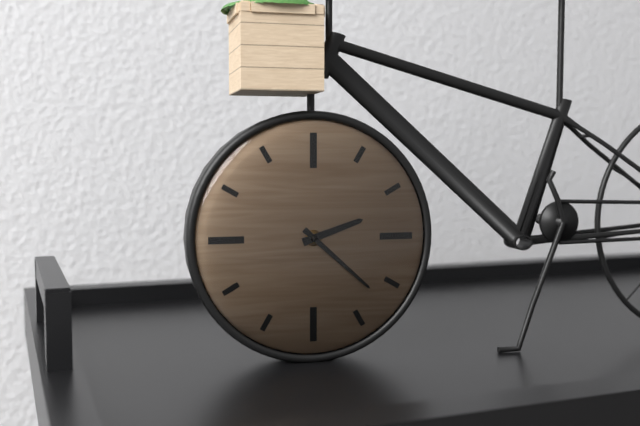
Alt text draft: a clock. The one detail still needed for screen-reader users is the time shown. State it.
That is 2:22
